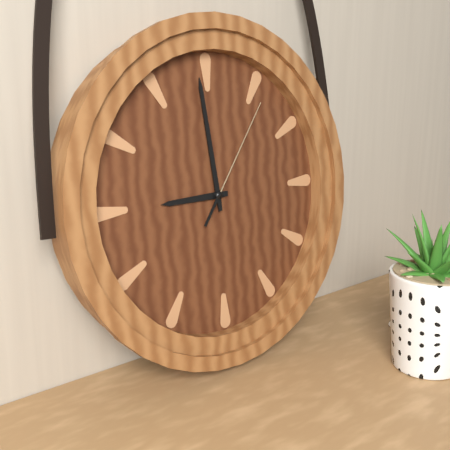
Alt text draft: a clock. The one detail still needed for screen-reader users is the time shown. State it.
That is 8:59:06
